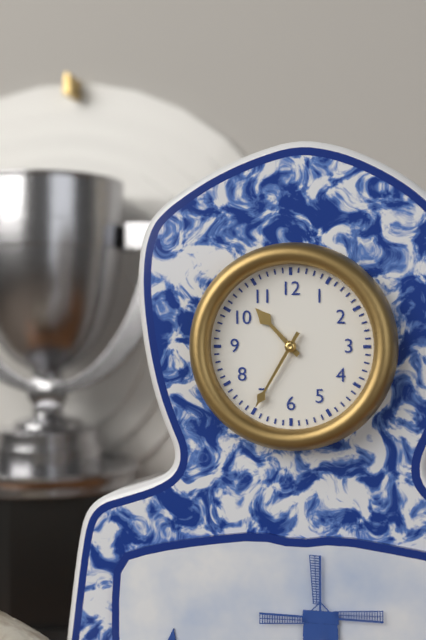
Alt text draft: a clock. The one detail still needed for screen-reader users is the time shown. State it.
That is 10:35
